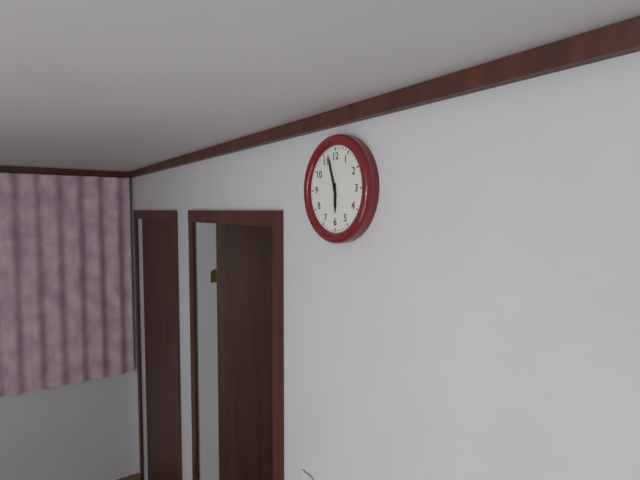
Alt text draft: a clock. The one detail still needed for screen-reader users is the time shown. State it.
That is 5:57
